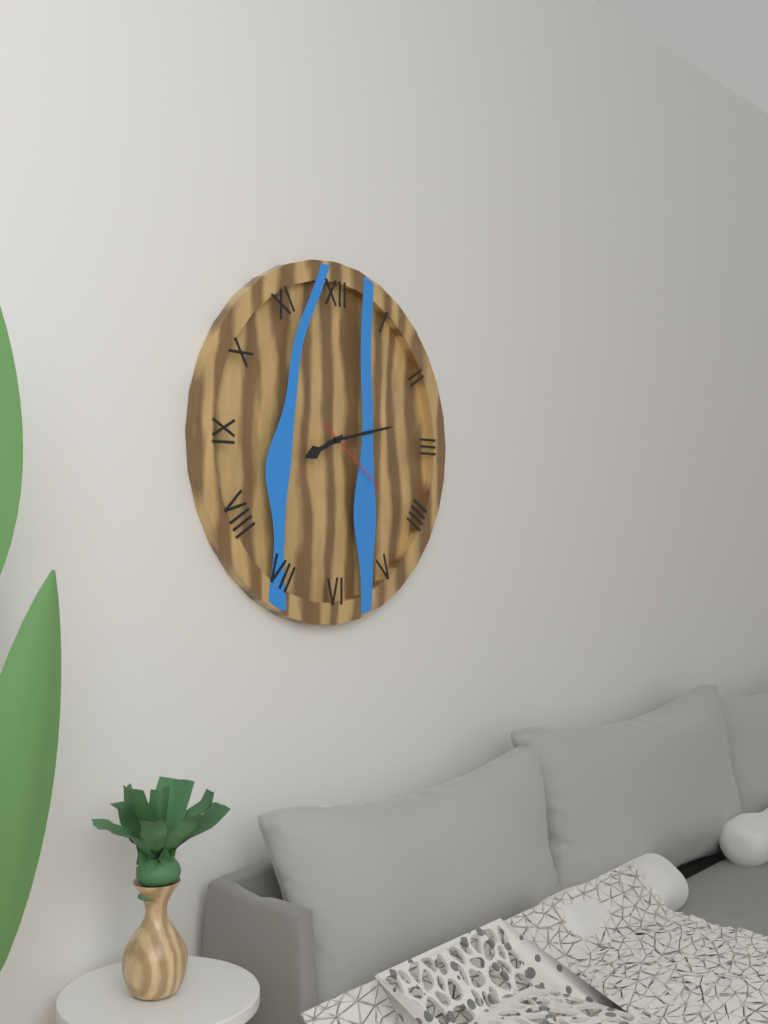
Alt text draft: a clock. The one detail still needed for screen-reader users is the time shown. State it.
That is 8:13:21
